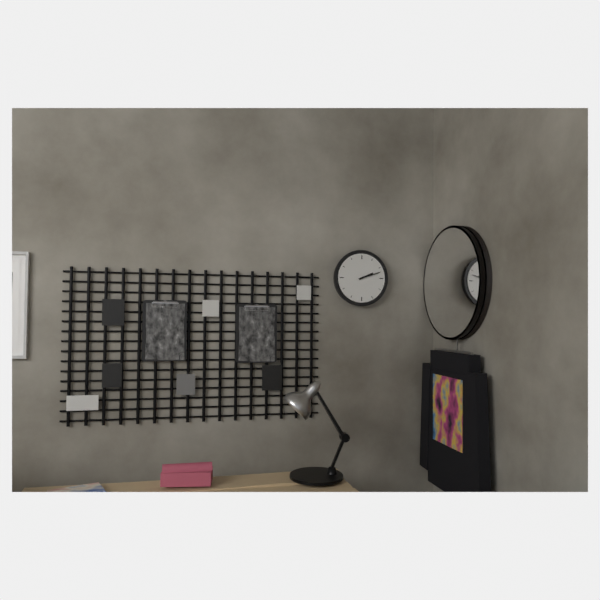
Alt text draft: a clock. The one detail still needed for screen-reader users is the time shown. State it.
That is 2:12
